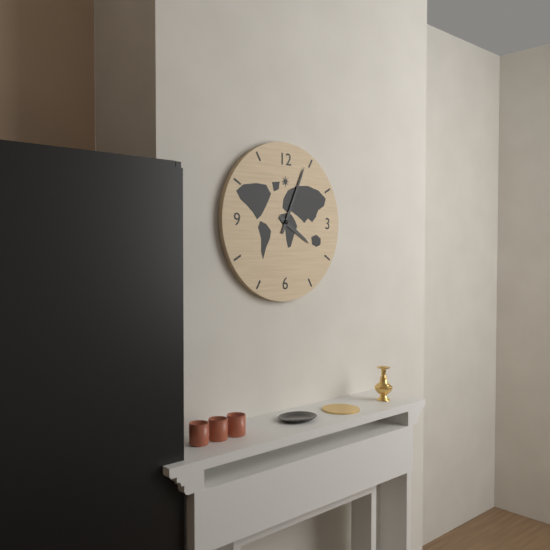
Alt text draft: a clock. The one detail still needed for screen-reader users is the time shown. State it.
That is 4:04
